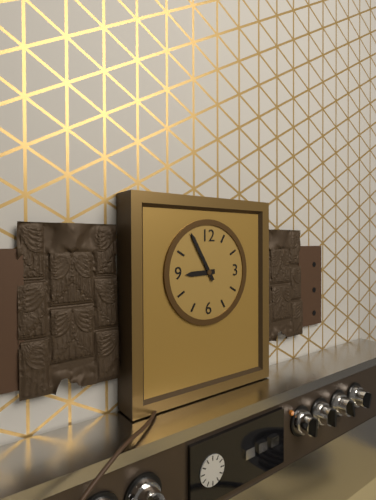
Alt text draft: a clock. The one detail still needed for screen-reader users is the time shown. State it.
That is 8:55
